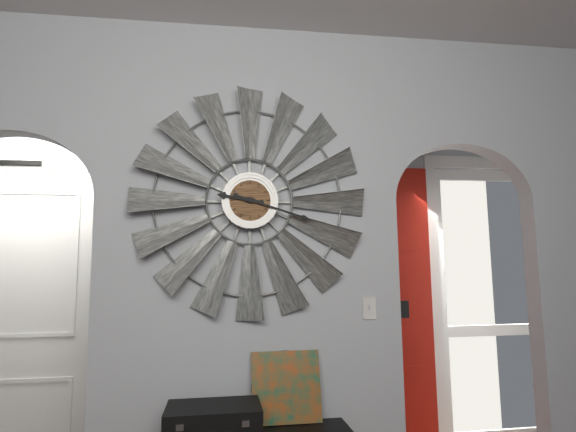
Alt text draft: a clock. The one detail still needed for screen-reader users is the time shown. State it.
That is 9:18
